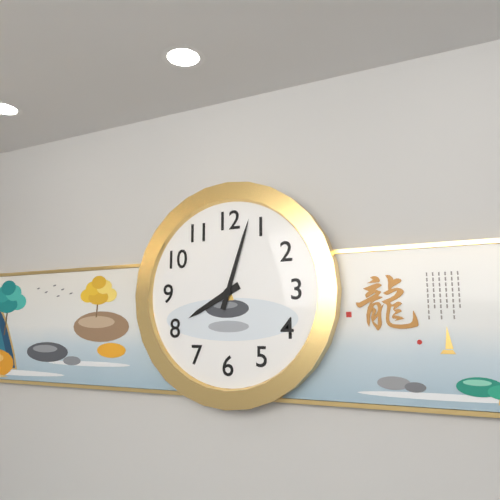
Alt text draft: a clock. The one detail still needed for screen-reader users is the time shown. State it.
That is 8:03
